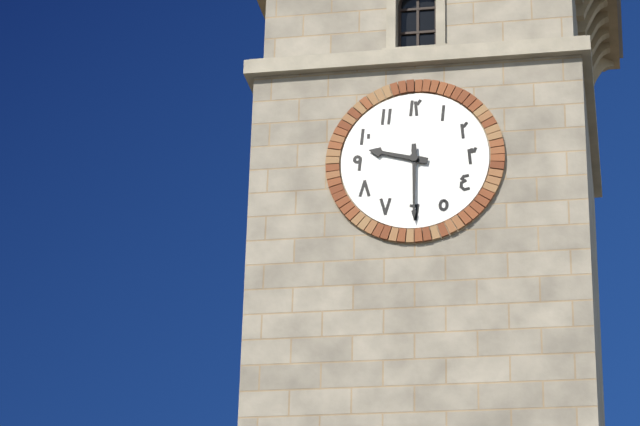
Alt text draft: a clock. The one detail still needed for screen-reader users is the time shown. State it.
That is 9:30
